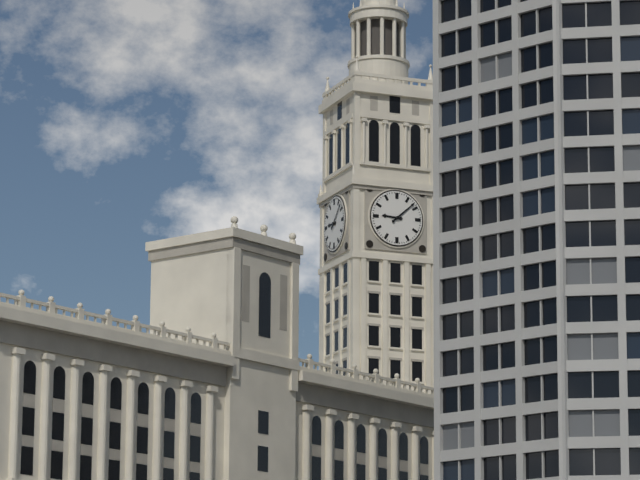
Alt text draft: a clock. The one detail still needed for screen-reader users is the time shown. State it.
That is 9:08
